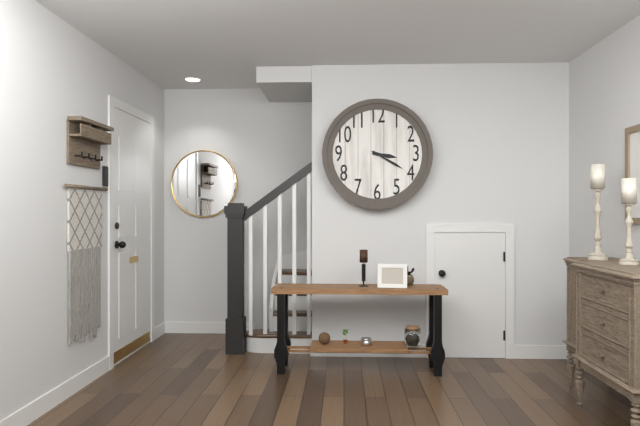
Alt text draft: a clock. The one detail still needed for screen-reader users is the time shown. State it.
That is 3:20
